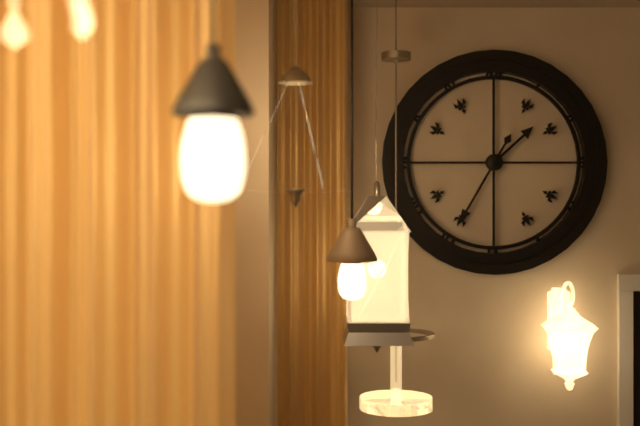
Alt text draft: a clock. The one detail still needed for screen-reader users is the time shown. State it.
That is 1:35
